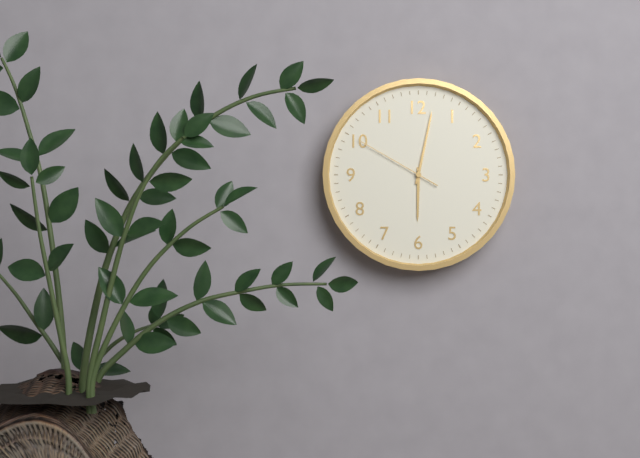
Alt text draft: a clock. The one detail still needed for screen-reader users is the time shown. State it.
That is 6:02:50
